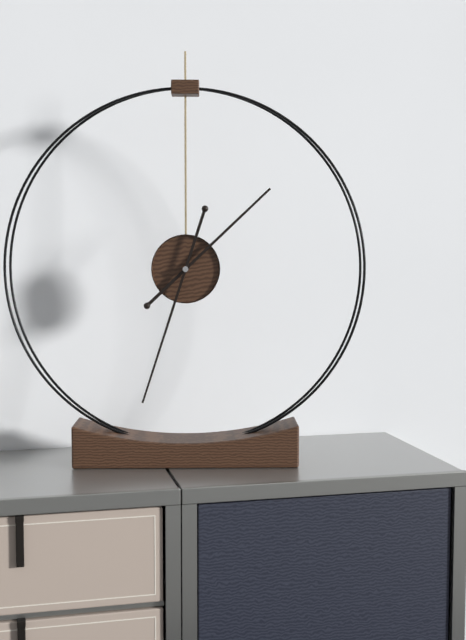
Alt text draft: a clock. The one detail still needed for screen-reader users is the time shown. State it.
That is 1:33
